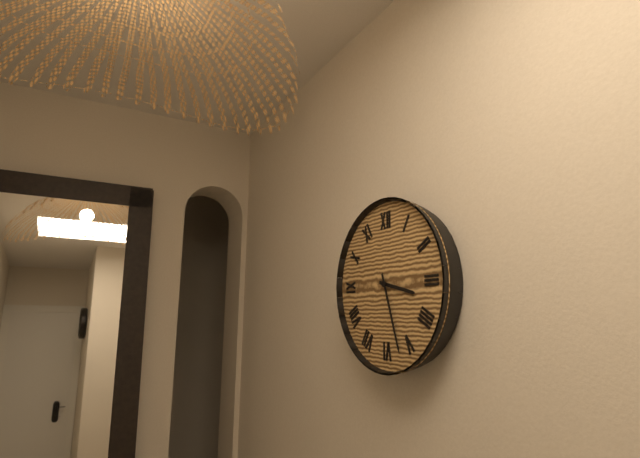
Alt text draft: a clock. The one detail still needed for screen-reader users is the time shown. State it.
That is 3:27
